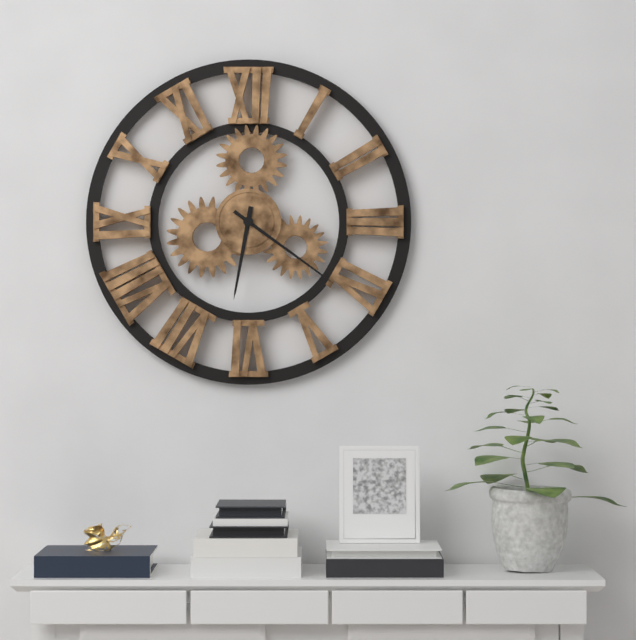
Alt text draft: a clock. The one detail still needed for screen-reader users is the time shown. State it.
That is 6:21
